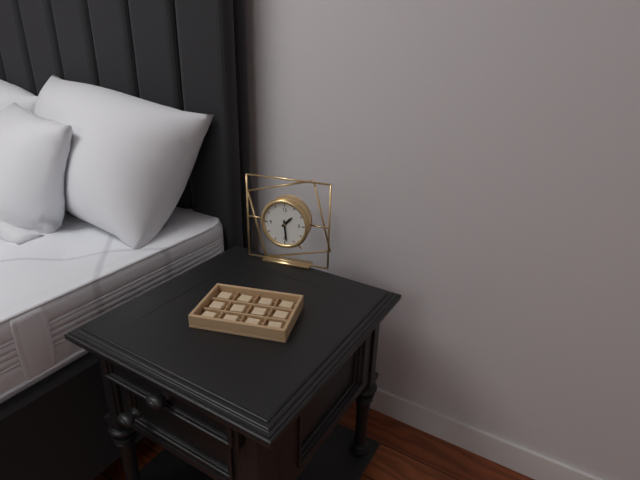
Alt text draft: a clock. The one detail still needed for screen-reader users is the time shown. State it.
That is 1:29
